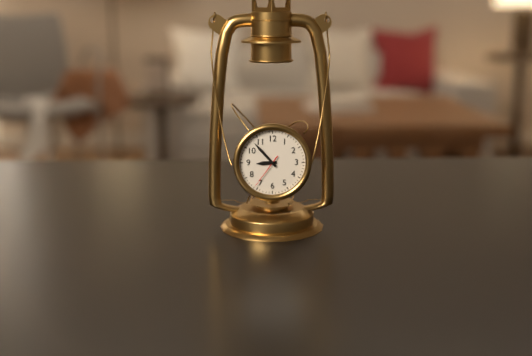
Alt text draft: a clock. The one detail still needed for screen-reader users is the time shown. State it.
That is 8:53
